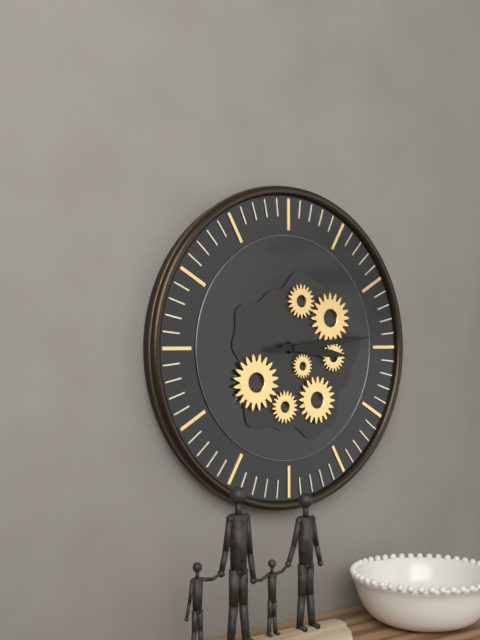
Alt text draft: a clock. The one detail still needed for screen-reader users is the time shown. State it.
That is 3:14
